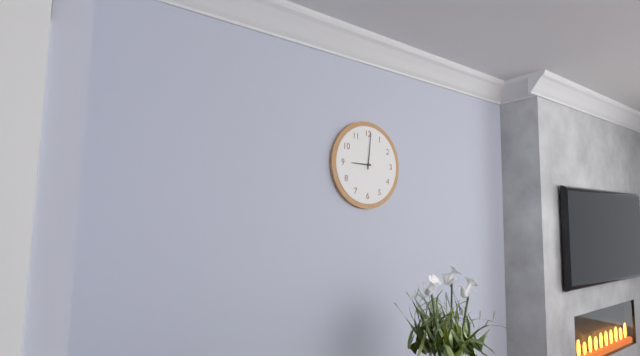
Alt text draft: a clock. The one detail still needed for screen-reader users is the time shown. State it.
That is 9:01
